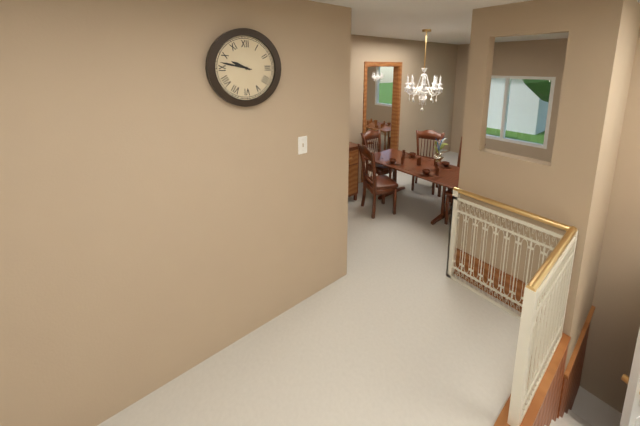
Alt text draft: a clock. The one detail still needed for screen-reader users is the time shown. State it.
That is 9:47
